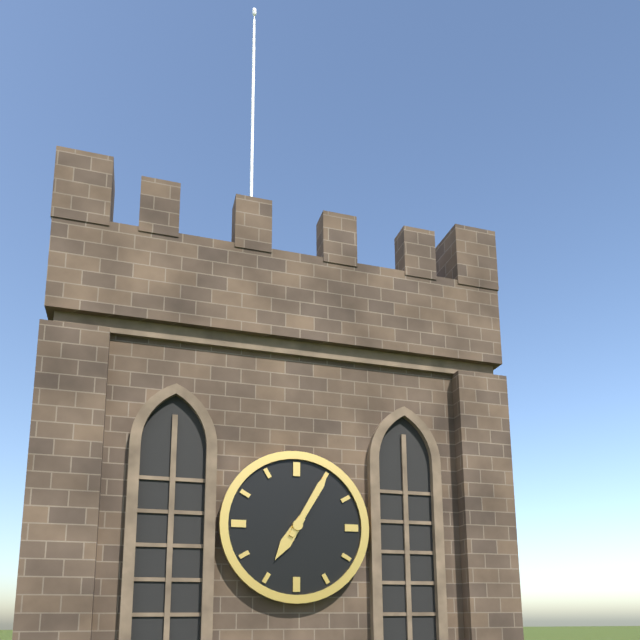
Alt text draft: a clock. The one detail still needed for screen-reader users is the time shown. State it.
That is 7:05
